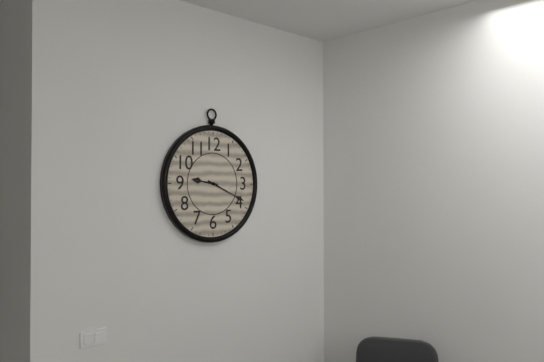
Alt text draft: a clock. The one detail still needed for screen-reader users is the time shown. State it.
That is 9:19
